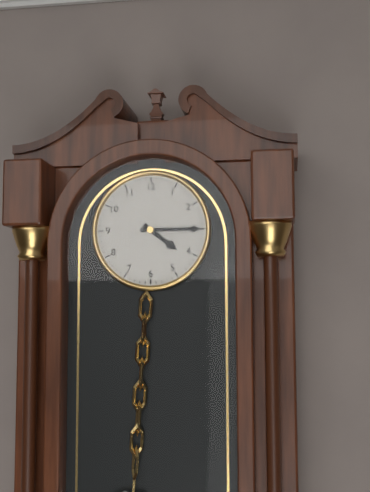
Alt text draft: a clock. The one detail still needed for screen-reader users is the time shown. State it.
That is 4:15
